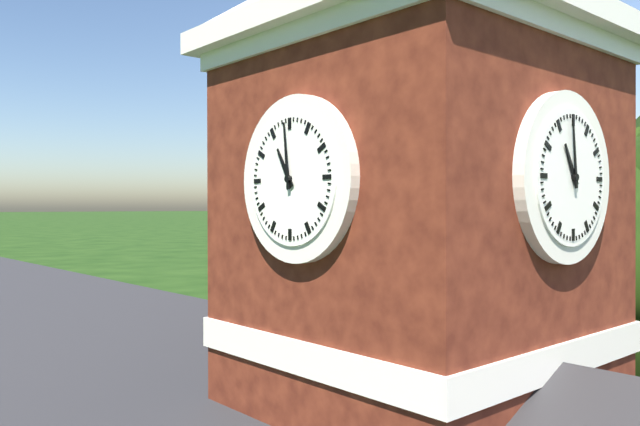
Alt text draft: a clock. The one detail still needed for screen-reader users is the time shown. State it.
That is 10:59
